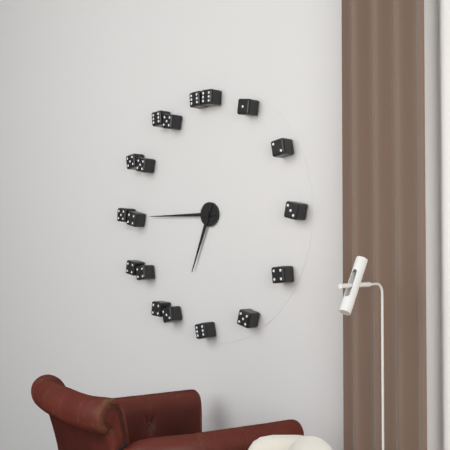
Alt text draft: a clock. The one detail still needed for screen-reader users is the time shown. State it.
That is 6:45
